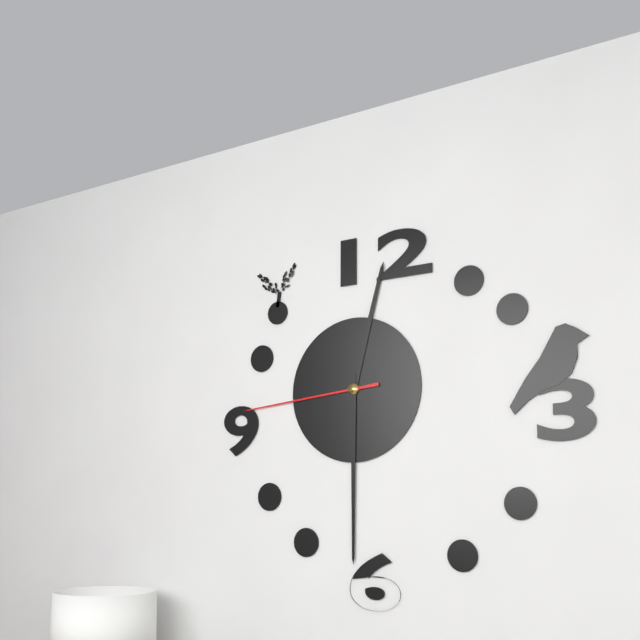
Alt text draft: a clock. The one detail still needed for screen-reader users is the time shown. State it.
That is 12:30:44
